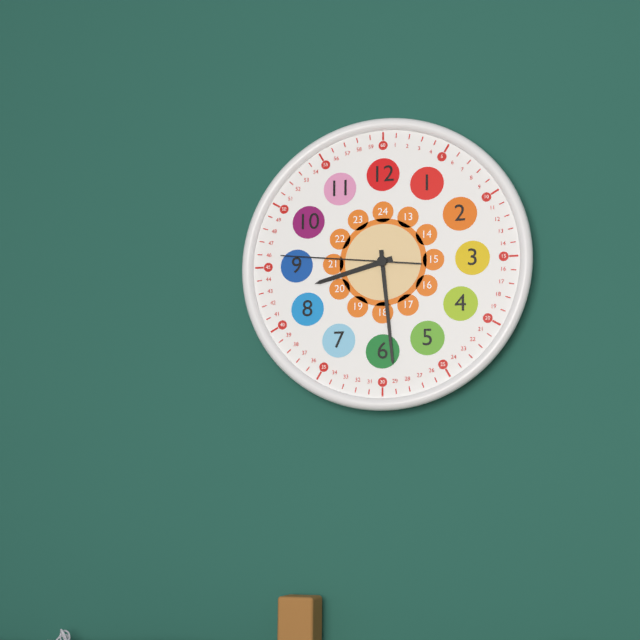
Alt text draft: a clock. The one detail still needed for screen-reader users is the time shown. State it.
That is 8:29:46
